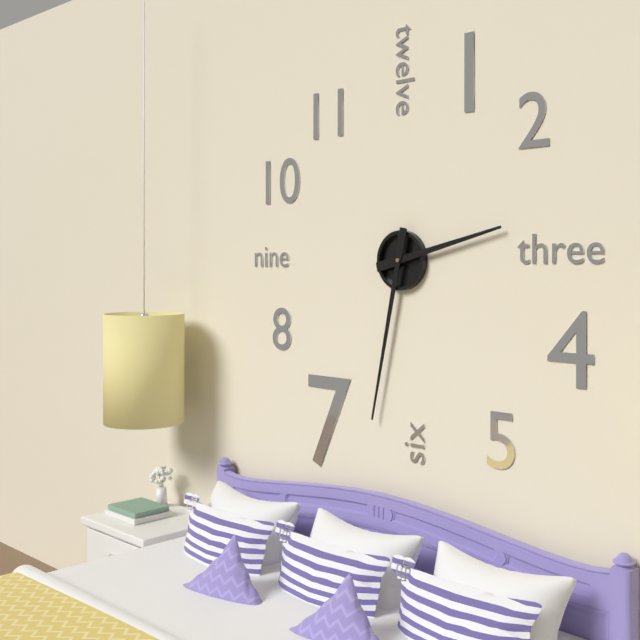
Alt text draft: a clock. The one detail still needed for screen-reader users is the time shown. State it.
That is 2:32
